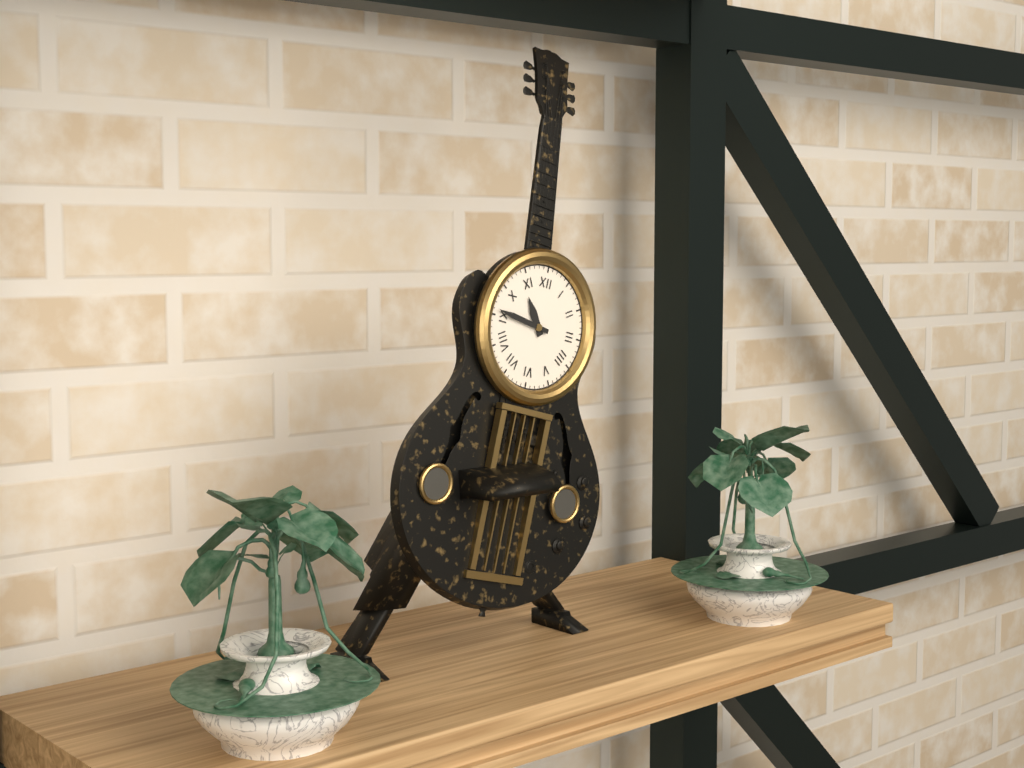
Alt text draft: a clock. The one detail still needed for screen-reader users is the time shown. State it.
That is 10:46
